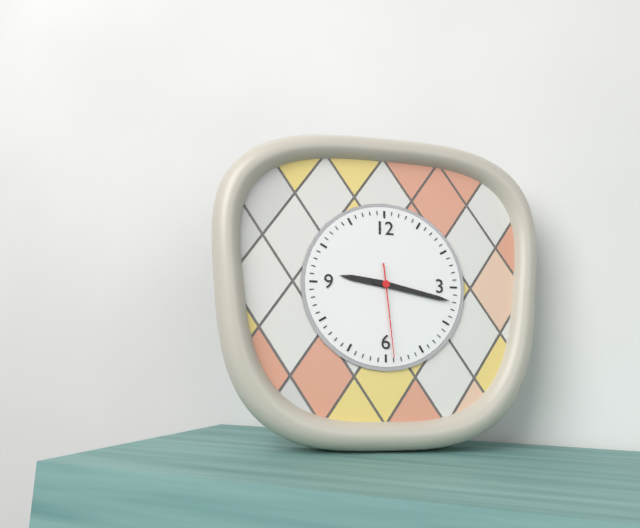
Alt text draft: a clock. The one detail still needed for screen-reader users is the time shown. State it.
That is 9:17:29
